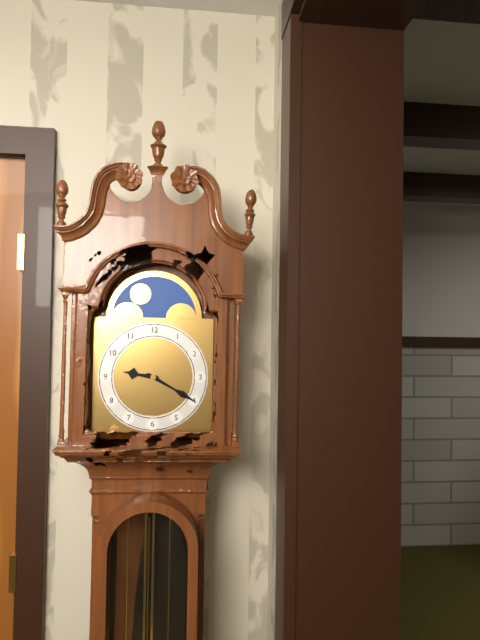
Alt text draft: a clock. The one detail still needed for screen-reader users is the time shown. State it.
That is 9:20
